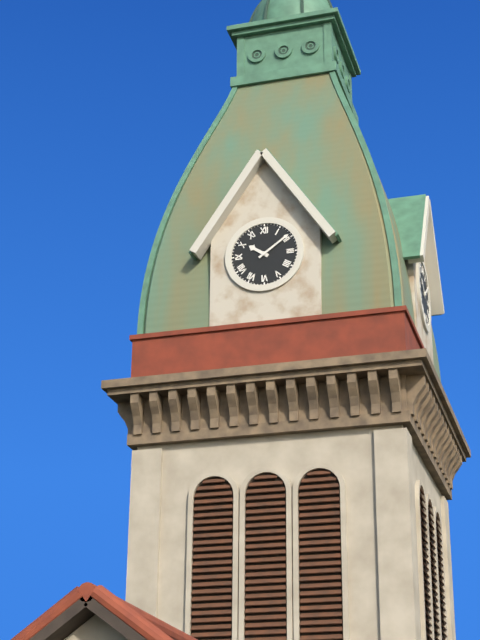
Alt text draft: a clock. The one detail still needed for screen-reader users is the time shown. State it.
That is 10:09
